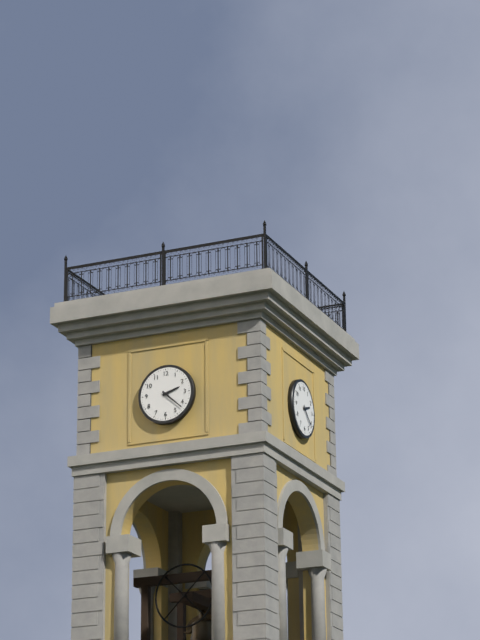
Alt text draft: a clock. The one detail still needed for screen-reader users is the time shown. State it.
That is 2:22
